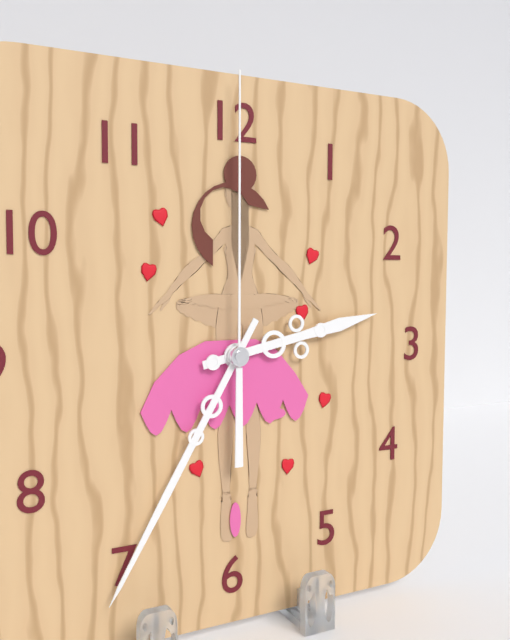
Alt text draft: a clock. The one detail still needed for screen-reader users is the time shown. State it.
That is 2:35:00
